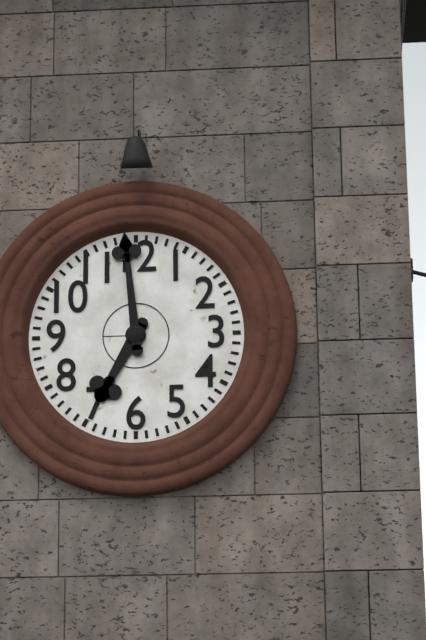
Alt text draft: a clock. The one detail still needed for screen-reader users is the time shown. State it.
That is 6:59
